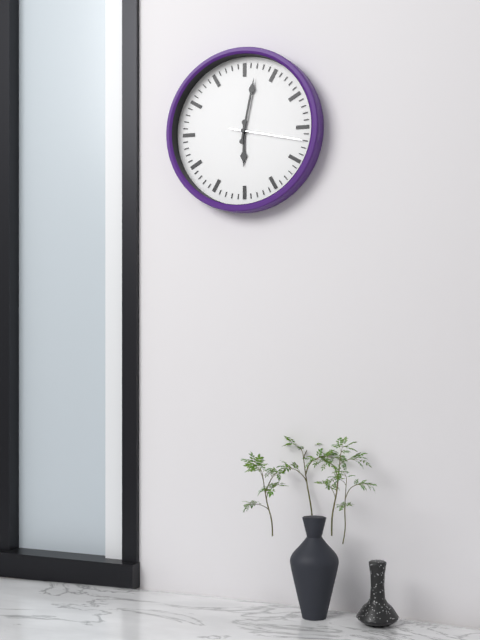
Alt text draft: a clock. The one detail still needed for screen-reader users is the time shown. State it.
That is 6:02:17
